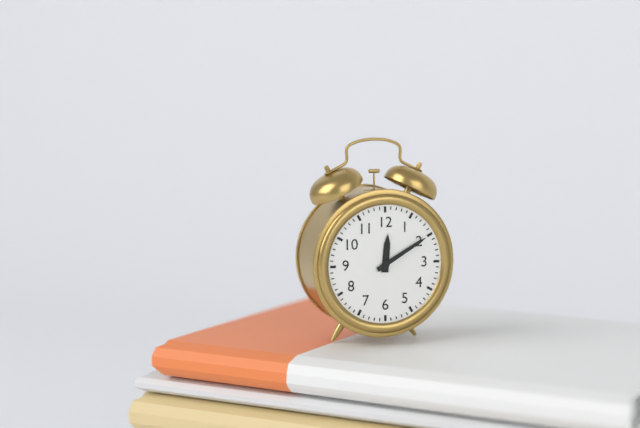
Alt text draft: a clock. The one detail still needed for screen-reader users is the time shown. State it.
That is 12:10
